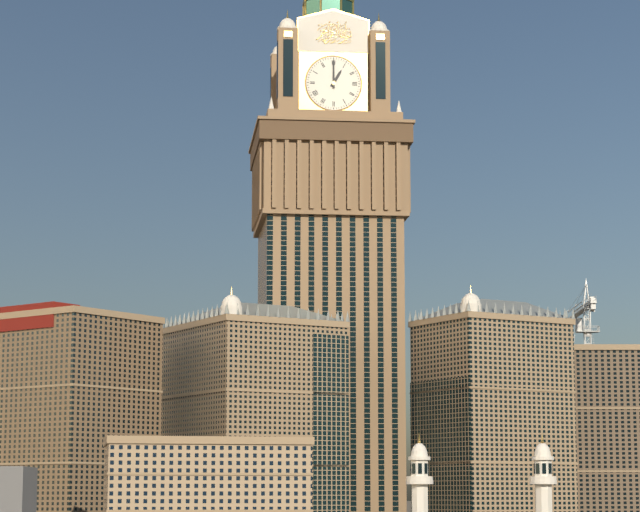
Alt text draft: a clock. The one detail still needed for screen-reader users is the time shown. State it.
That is 1:00
